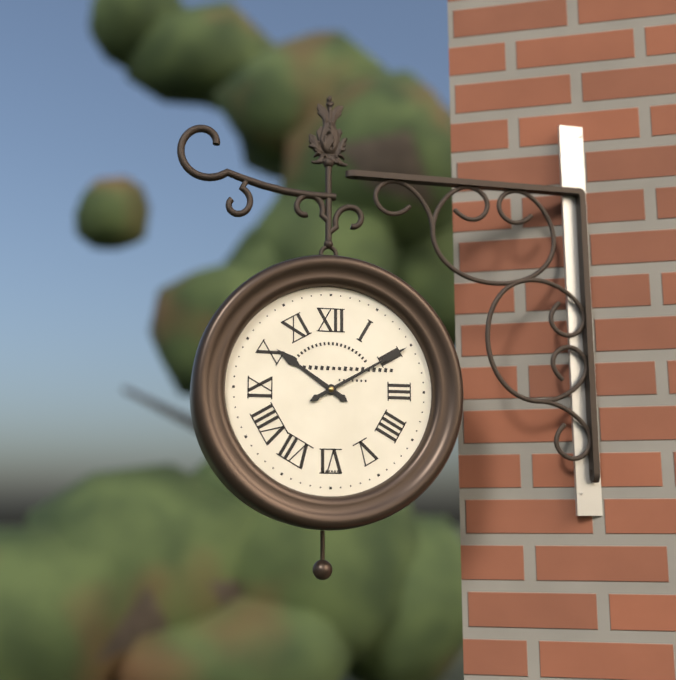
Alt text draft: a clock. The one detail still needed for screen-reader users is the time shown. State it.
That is 10:10
